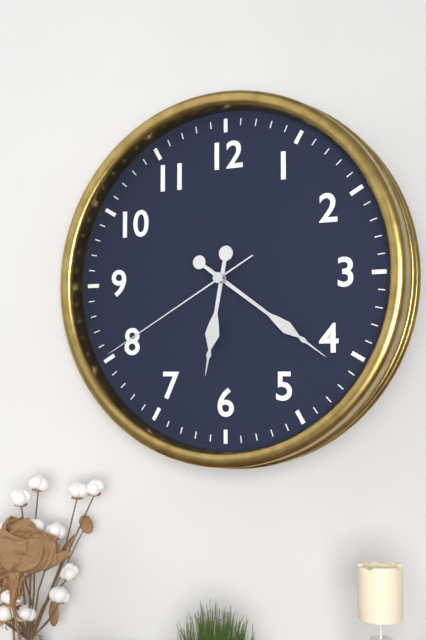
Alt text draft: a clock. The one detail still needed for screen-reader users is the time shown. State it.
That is 6:21:40
